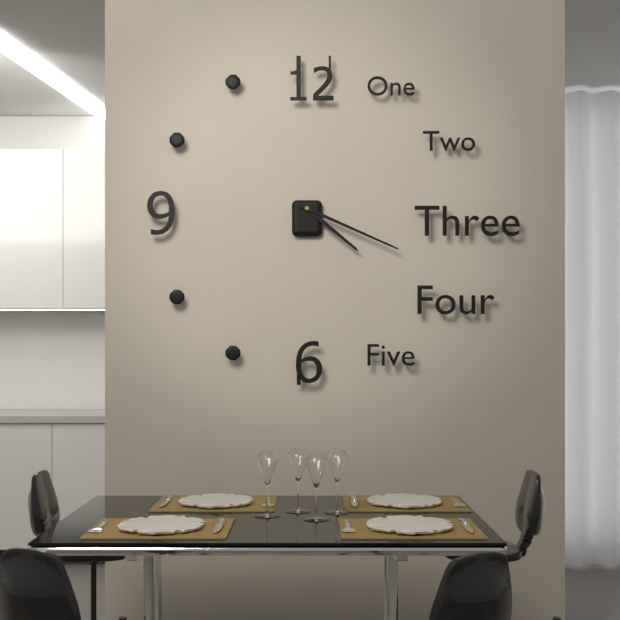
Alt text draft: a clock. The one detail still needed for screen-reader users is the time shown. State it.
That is 4:19
